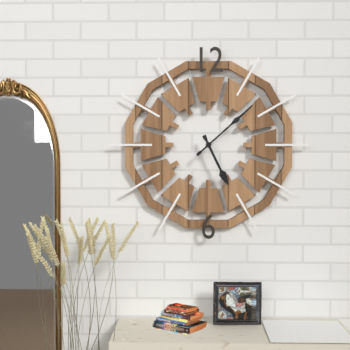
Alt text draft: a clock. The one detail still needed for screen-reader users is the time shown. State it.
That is 5:08
